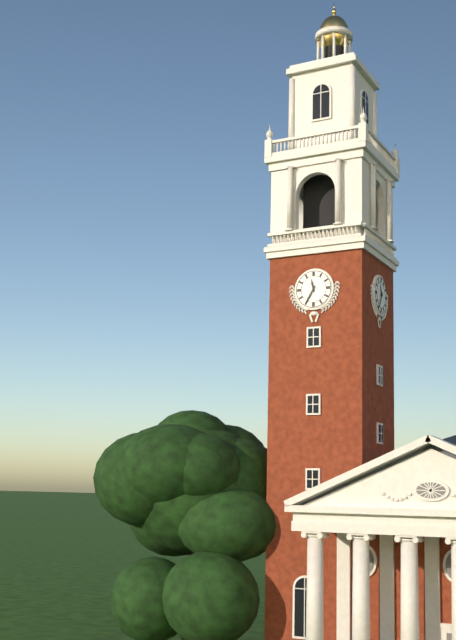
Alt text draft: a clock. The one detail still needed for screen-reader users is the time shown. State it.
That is 11:35
